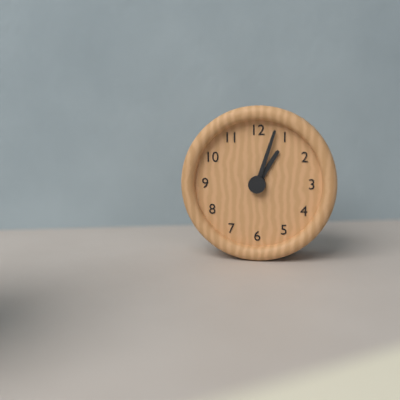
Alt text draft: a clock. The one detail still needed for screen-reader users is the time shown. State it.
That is 1:03
